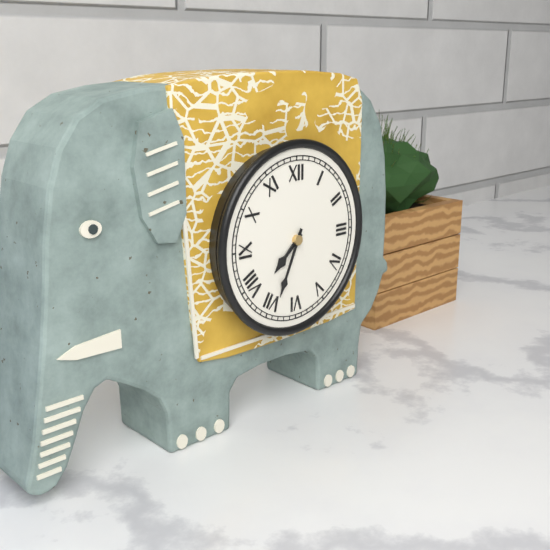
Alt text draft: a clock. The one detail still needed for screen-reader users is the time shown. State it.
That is 7:34
